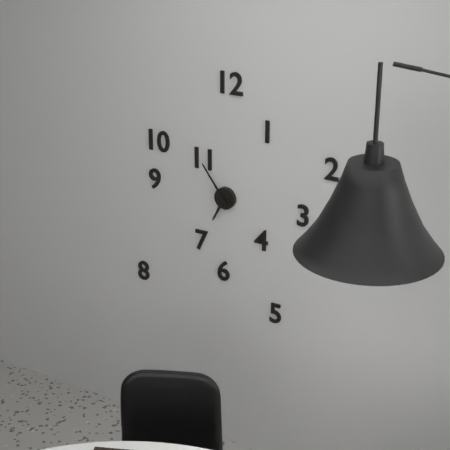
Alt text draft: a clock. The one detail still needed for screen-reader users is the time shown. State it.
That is 6:54
